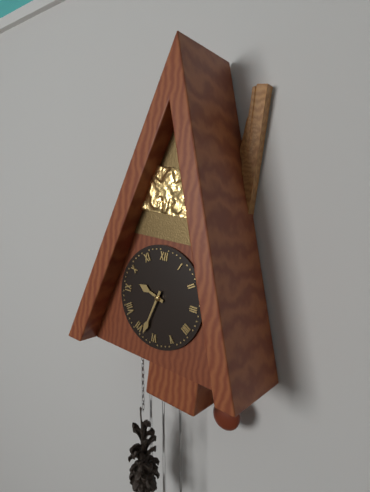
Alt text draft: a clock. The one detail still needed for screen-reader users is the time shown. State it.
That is 9:33
